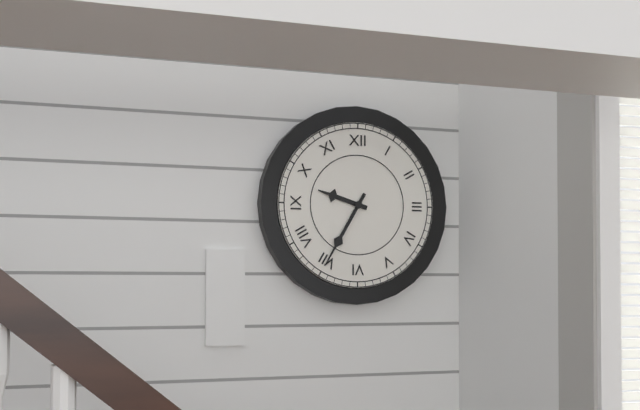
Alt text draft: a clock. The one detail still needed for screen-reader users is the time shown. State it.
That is 9:35
